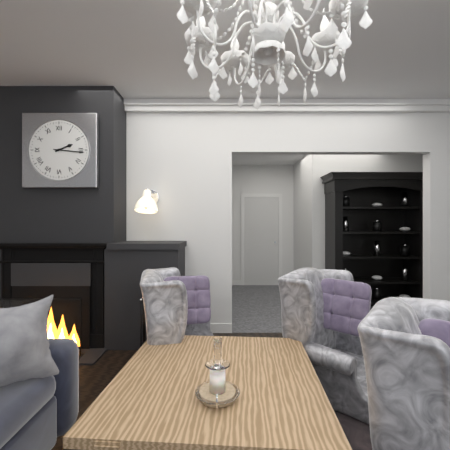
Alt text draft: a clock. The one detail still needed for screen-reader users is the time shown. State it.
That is 2:16
